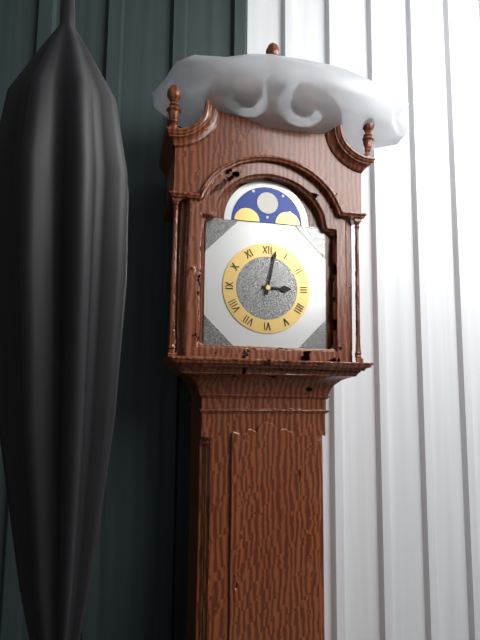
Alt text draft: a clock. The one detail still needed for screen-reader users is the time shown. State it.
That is 3:02
